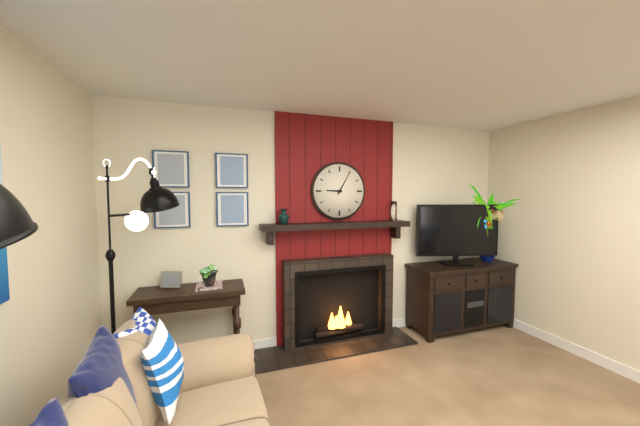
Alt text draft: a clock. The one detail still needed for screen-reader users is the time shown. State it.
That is 9:05
